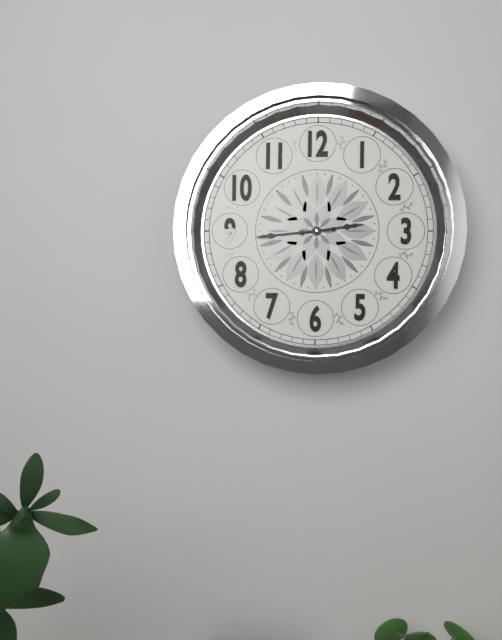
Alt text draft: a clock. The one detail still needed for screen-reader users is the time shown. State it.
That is 2:44
